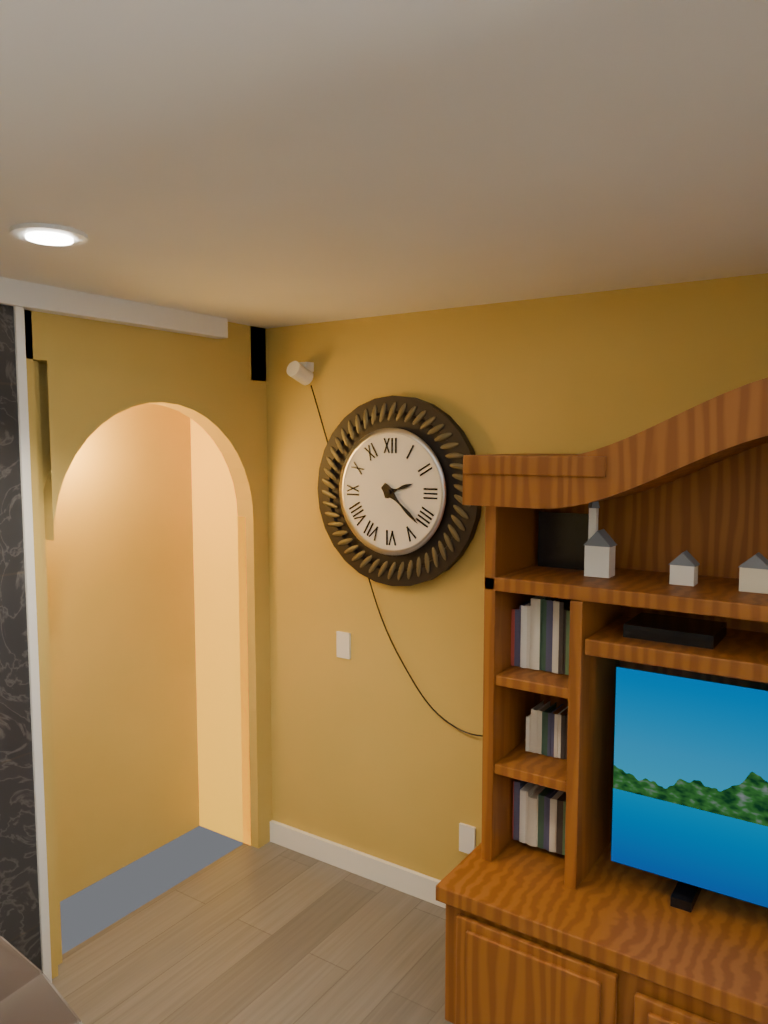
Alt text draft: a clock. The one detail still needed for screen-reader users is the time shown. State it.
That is 2:22
